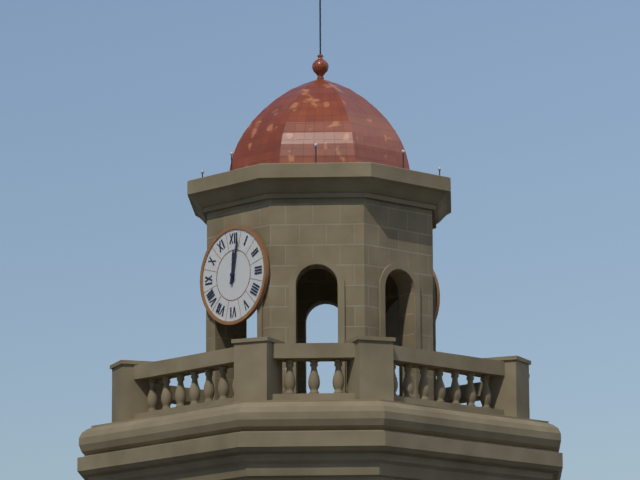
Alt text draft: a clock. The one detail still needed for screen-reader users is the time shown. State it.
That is 12:02
